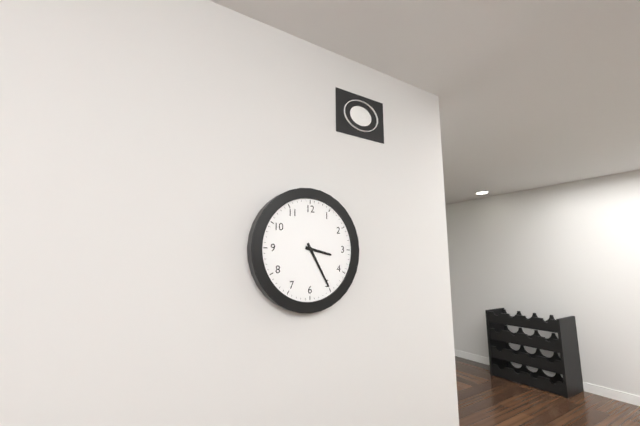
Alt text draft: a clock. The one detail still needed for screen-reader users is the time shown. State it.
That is 3:25
